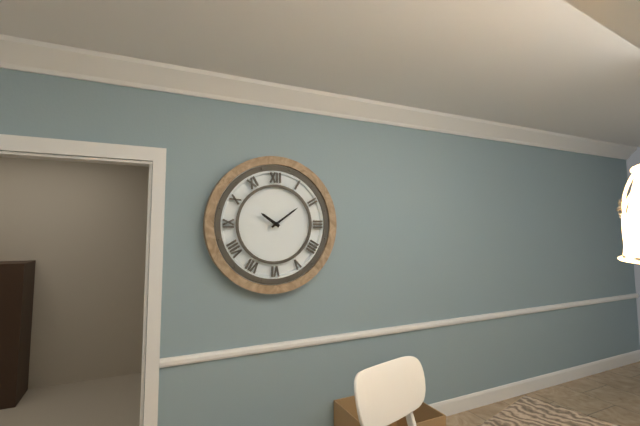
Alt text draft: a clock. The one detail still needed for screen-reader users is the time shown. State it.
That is 10:09
